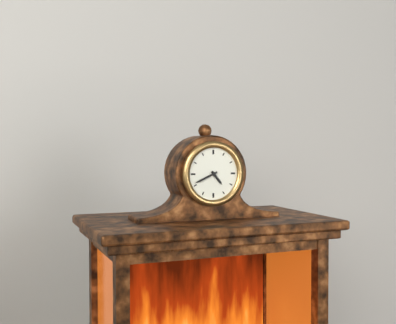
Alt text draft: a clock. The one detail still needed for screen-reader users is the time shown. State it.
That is 4:41
